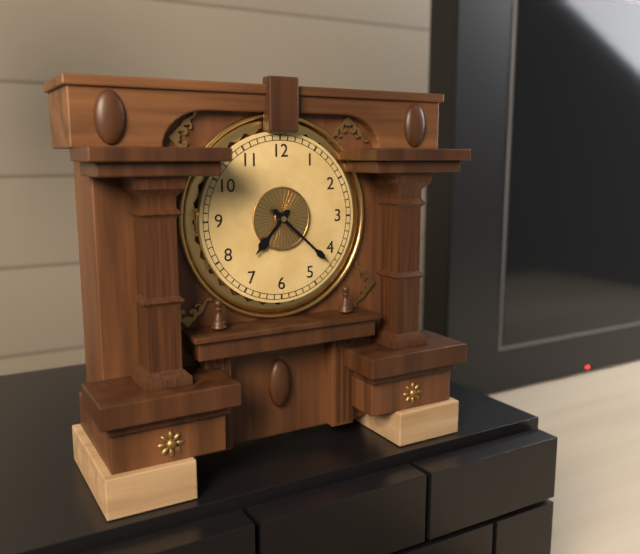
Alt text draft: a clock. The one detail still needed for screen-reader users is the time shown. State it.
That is 7:22
